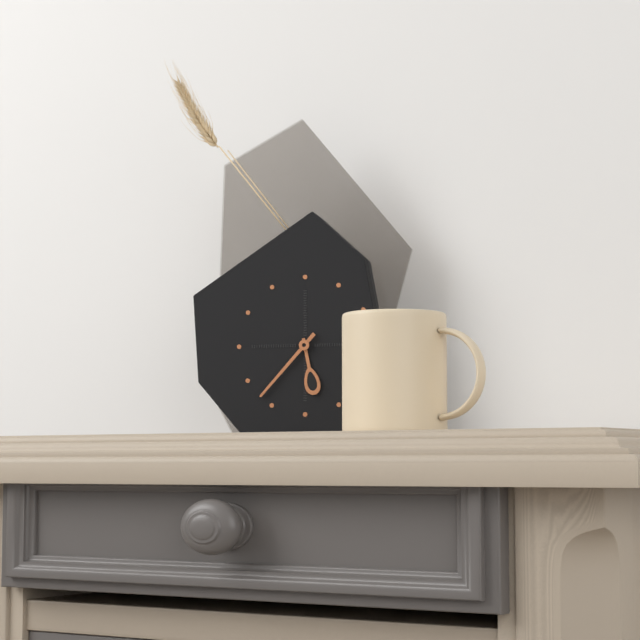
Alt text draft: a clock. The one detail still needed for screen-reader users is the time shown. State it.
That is 5:37
